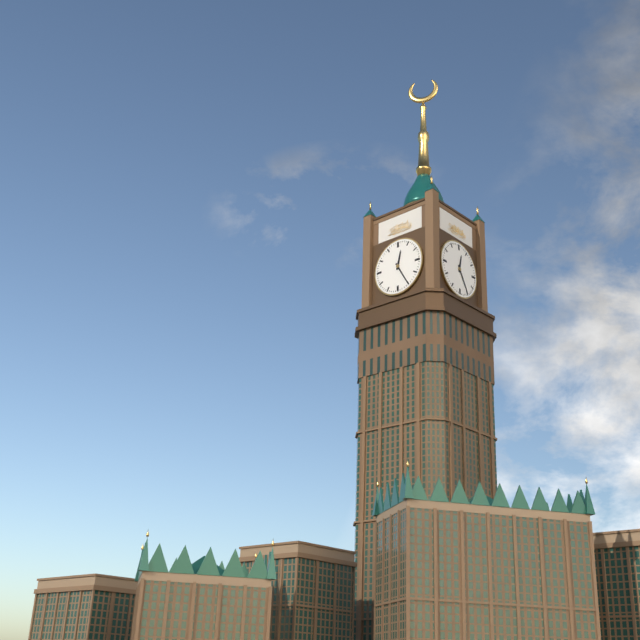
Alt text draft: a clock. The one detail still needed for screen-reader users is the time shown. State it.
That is 12:25
